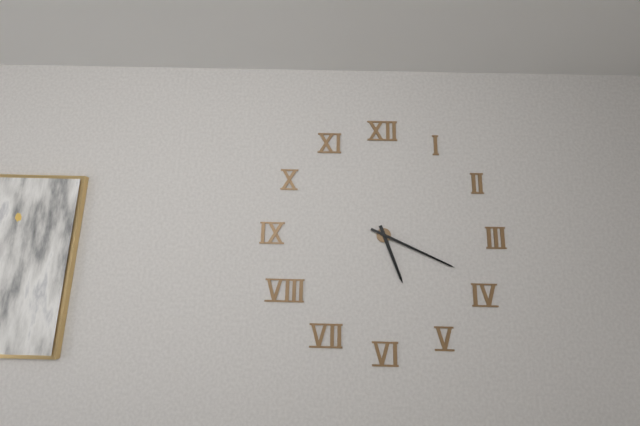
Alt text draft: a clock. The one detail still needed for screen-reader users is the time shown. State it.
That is 5:19
